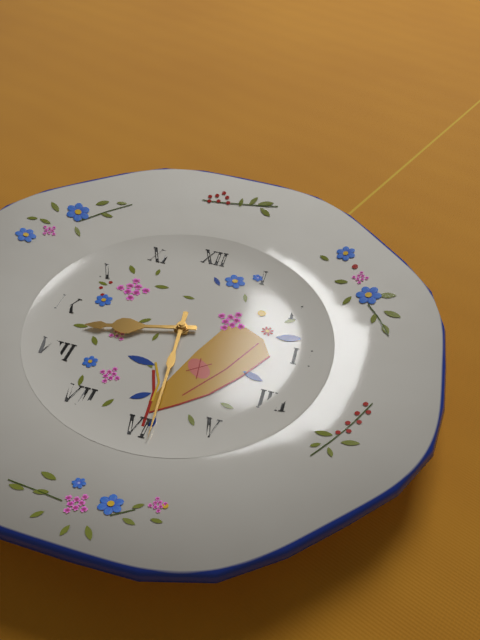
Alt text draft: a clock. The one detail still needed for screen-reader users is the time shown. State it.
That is 8:29
